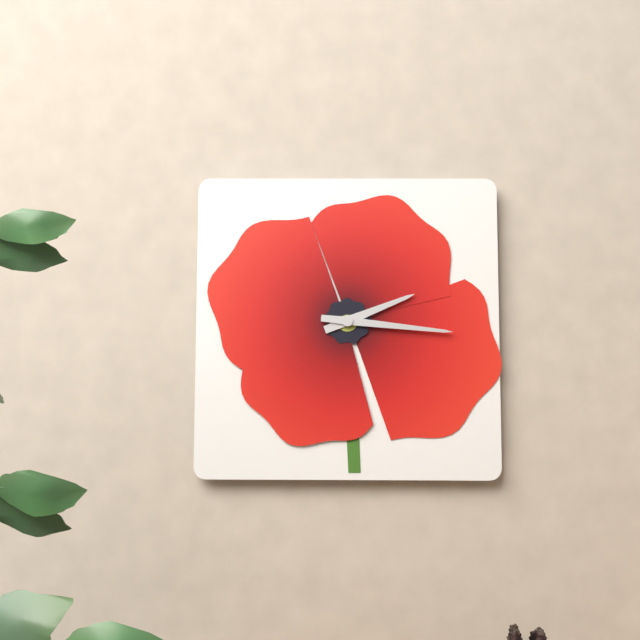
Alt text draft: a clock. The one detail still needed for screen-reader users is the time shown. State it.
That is 2:16
